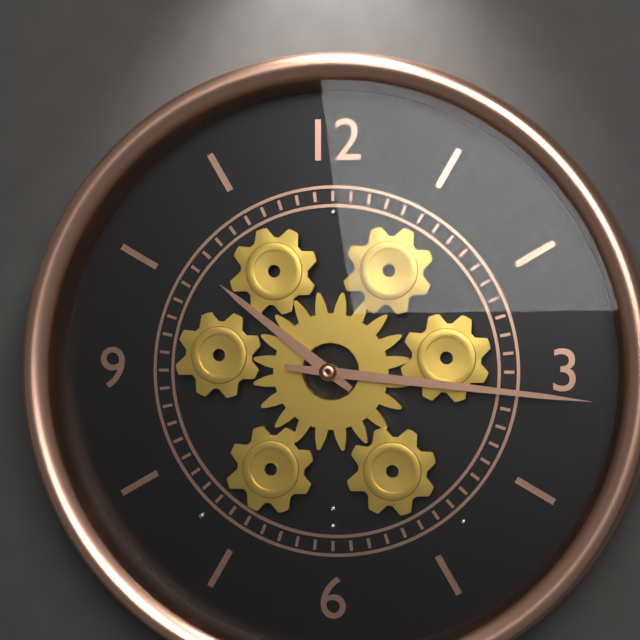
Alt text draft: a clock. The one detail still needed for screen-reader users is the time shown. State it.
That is 10:16
